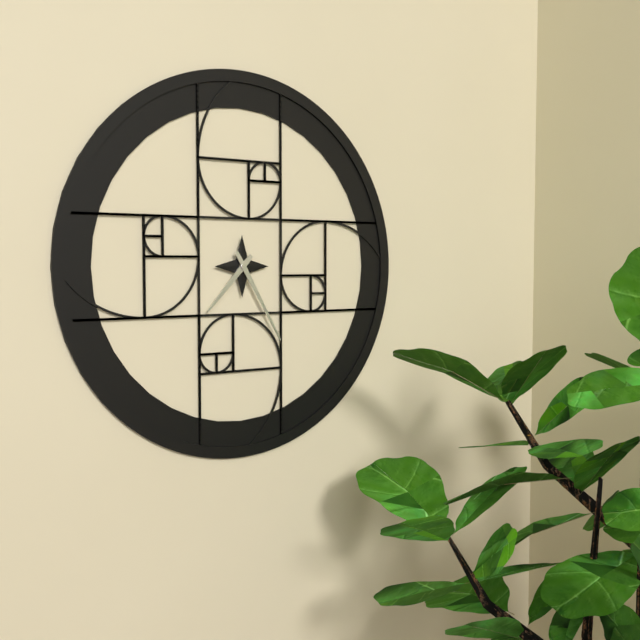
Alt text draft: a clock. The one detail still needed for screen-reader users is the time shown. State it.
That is 7:25
